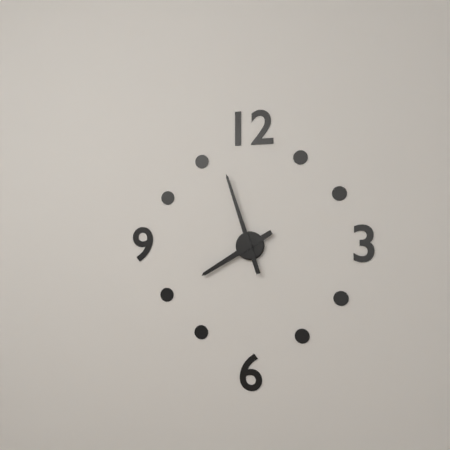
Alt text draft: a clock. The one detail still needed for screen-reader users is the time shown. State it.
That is 7:57
